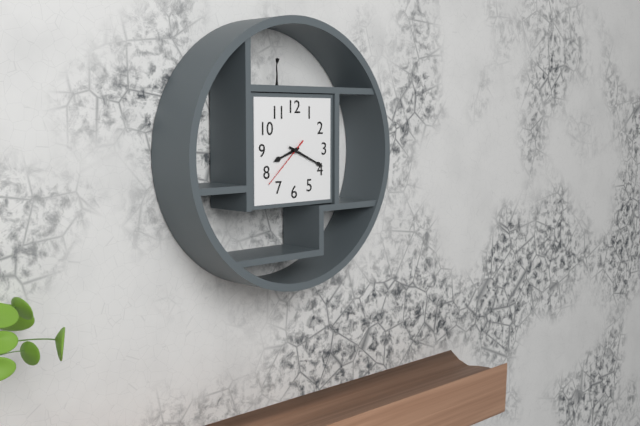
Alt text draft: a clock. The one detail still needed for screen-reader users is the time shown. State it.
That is 8:19:38
